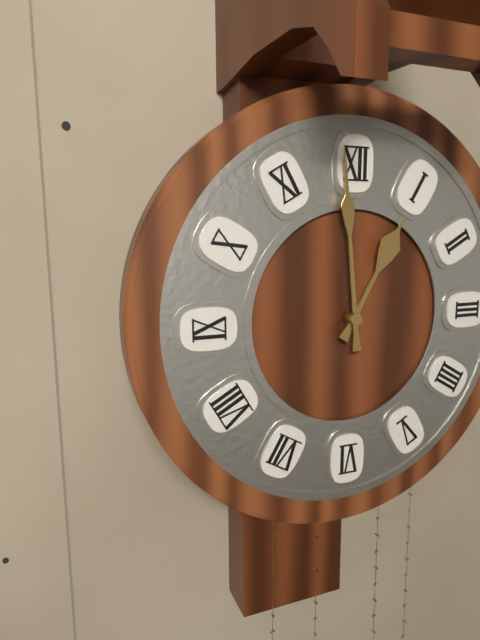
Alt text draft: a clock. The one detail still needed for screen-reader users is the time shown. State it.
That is 12:59
